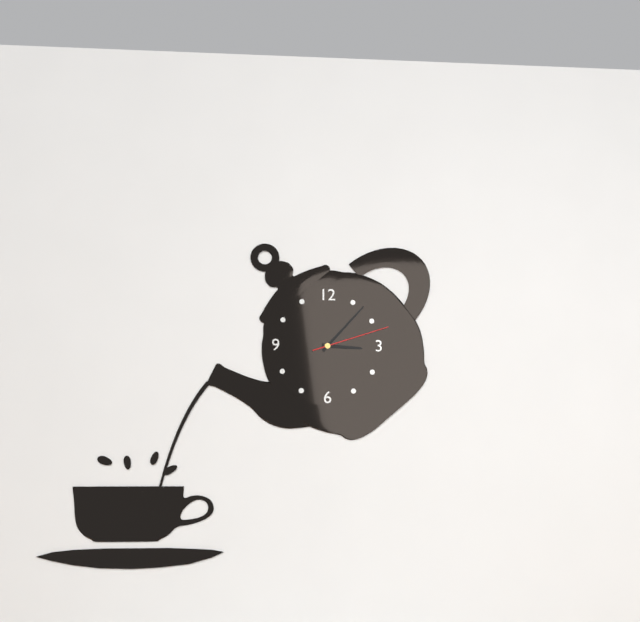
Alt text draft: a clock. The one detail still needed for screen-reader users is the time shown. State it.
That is 3:07:12
